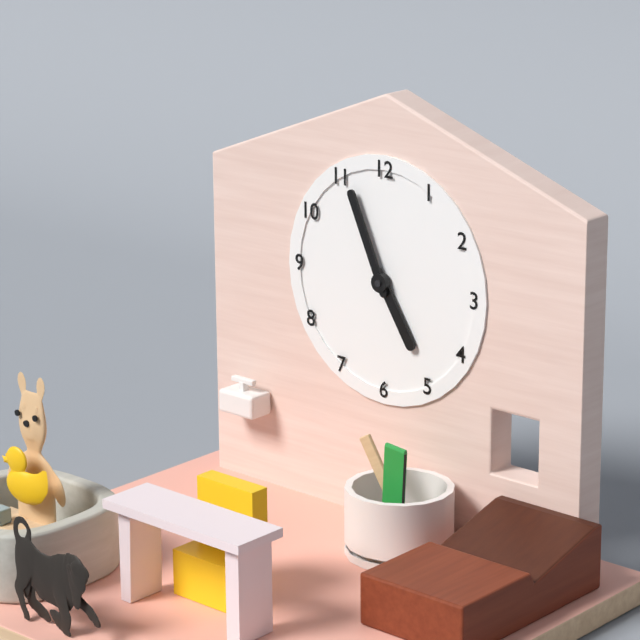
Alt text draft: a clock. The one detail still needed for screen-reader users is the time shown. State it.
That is 4:56
